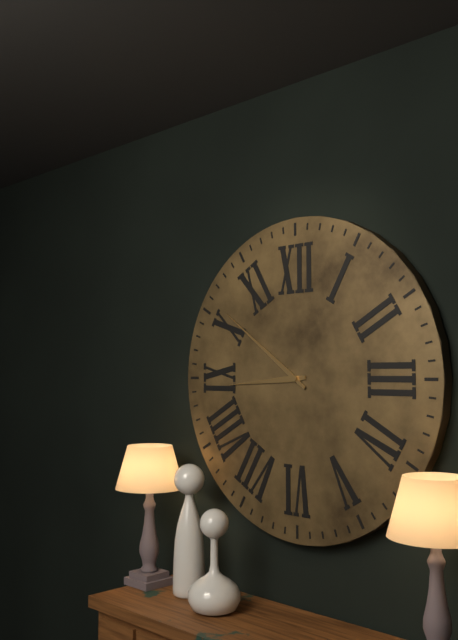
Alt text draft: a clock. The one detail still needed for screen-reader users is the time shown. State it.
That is 8:51
